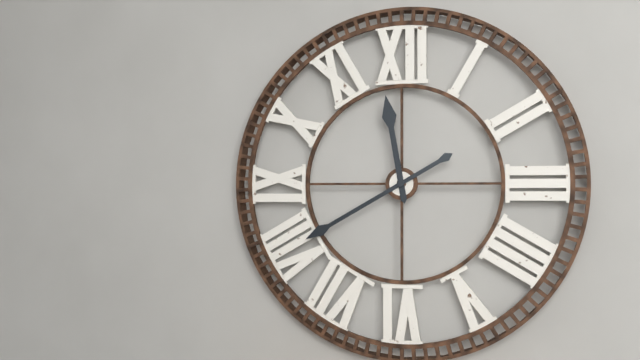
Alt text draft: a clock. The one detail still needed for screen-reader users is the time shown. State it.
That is 11:40
